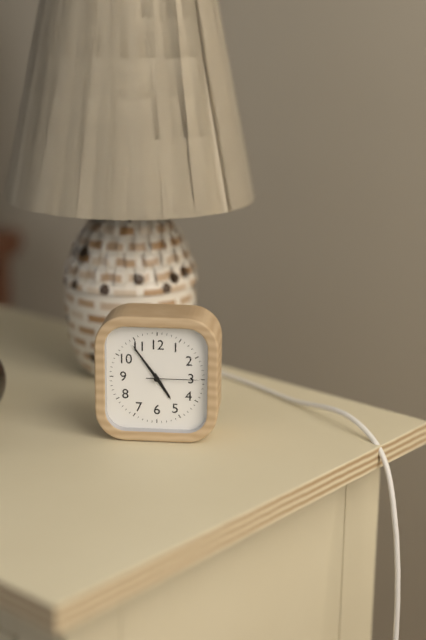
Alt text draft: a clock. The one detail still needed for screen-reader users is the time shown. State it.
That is 4:54:15
